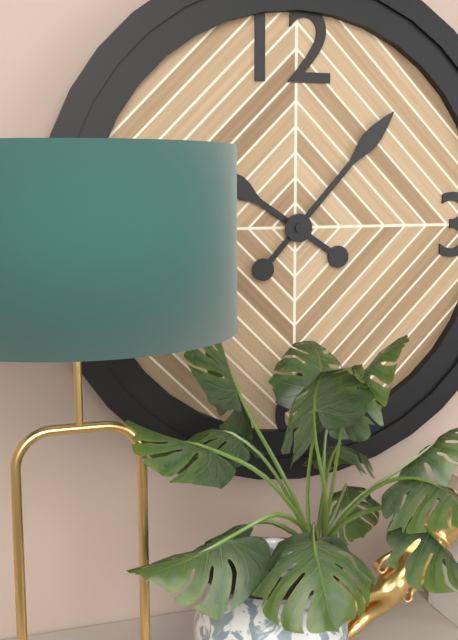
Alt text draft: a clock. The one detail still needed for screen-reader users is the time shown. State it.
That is 10:07
